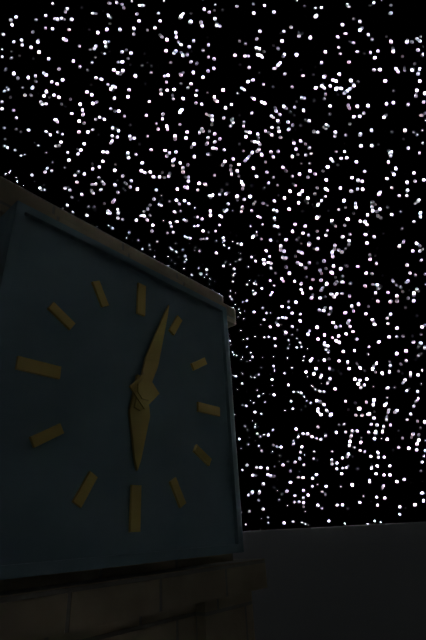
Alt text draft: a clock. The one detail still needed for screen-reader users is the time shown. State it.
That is 6:03
